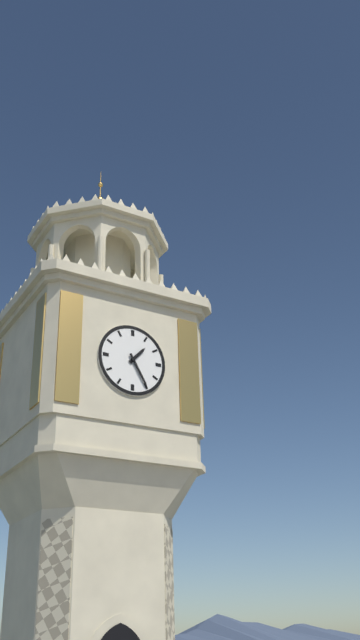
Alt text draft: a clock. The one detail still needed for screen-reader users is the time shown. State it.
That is 1:25
